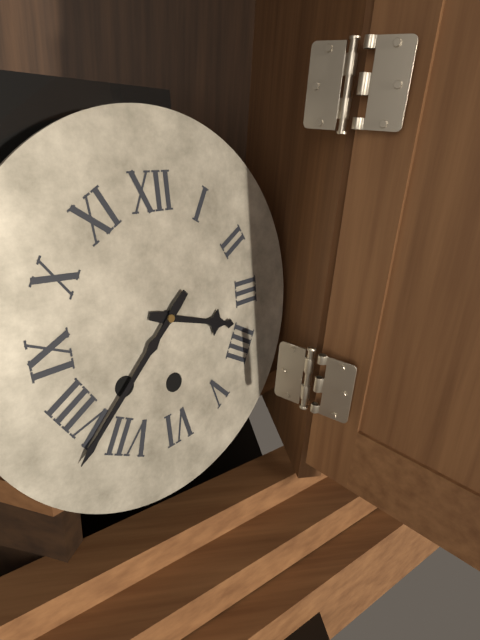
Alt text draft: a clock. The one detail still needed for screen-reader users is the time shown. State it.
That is 3:38
